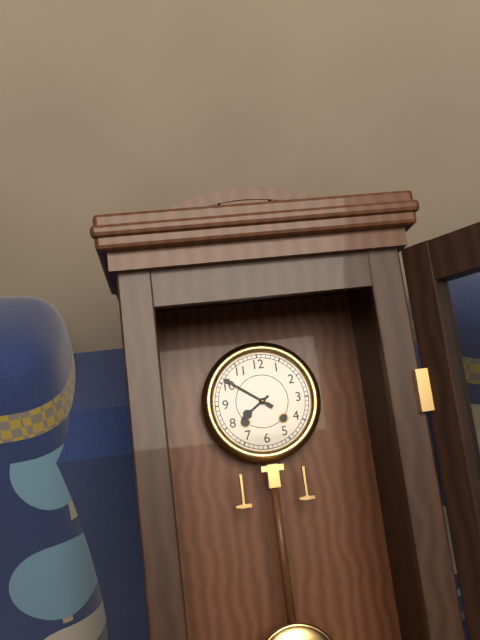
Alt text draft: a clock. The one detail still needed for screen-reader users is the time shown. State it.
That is 7:51
